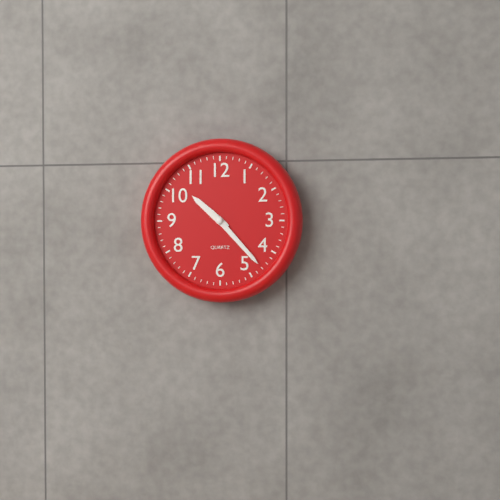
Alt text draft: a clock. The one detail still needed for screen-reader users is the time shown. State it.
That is 10:23
